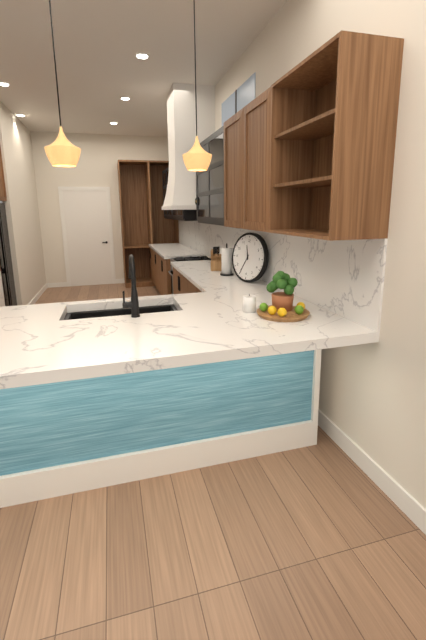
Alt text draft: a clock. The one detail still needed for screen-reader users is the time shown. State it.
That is 11:35
